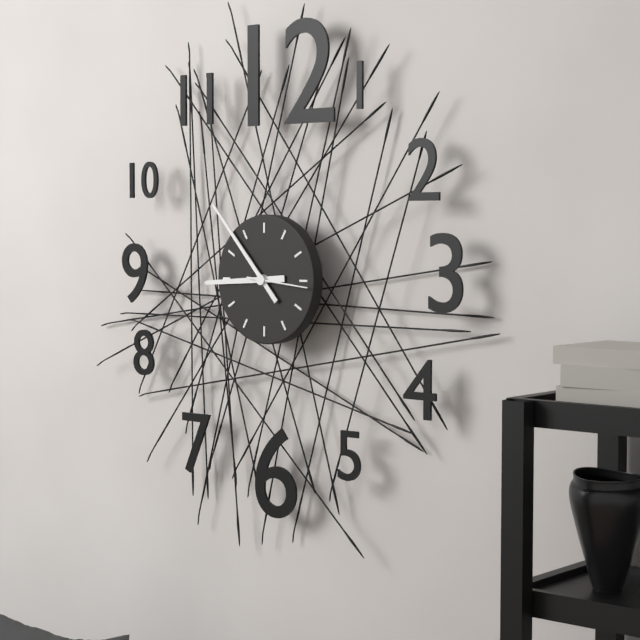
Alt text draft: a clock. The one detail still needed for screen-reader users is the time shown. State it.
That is 8:53:16
